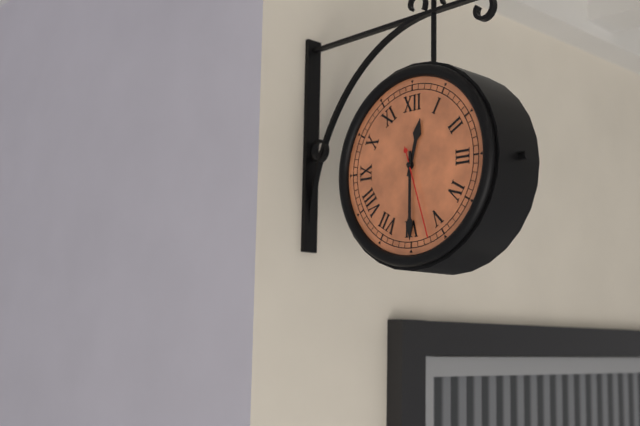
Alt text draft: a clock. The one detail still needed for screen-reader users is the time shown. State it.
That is 12:30:27
